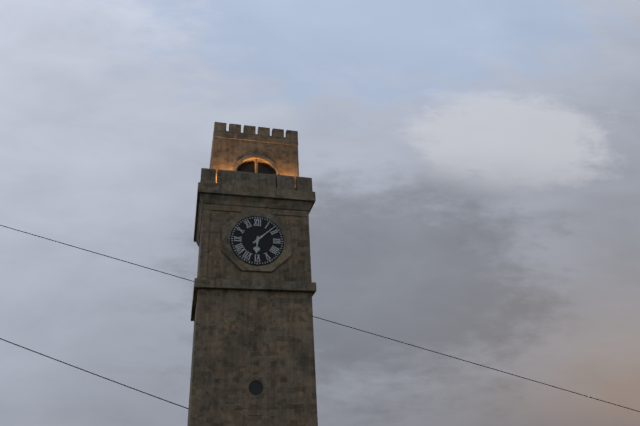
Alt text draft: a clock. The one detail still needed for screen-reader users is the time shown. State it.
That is 6:08
